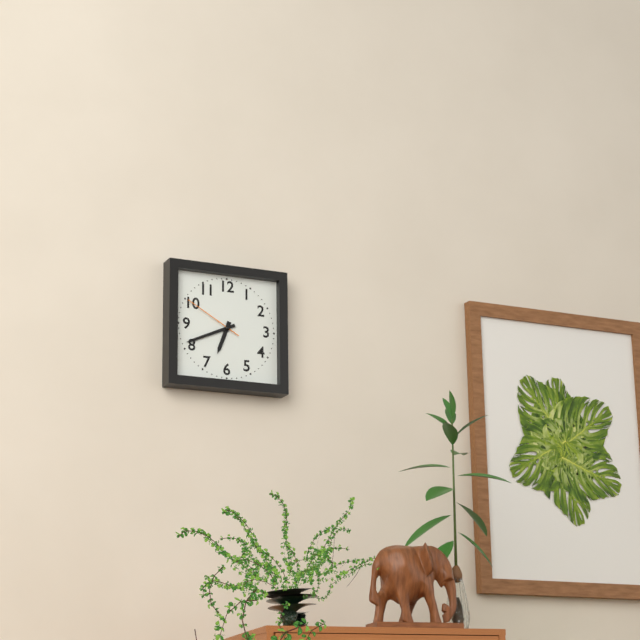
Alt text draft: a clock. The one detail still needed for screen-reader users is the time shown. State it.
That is 6:41:50
